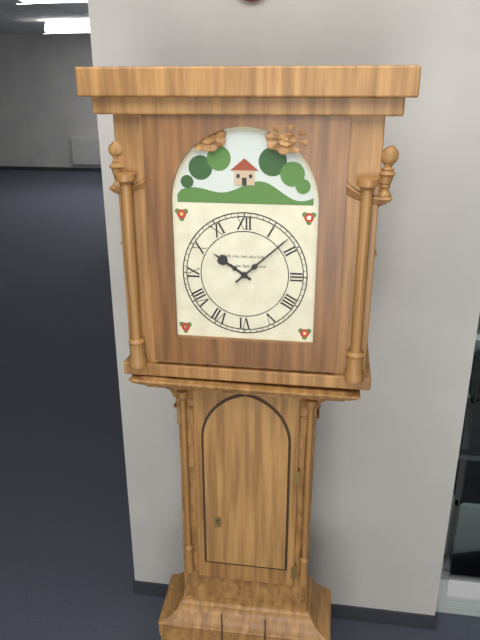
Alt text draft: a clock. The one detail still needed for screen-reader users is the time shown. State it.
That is 10:08
